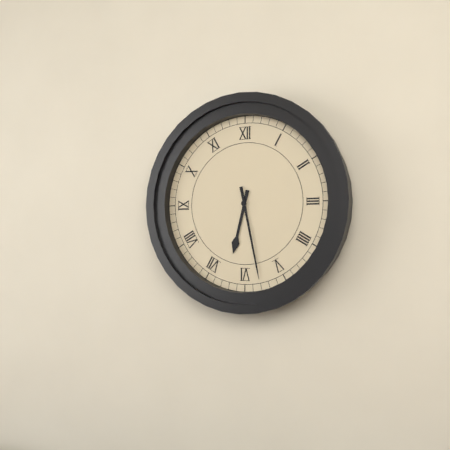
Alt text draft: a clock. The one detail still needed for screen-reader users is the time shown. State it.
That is 6:28
